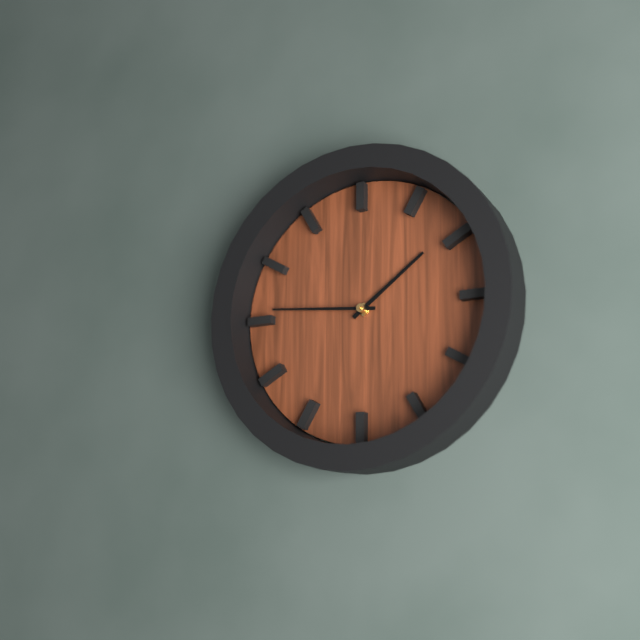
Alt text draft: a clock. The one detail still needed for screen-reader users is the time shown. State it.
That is 1:46
